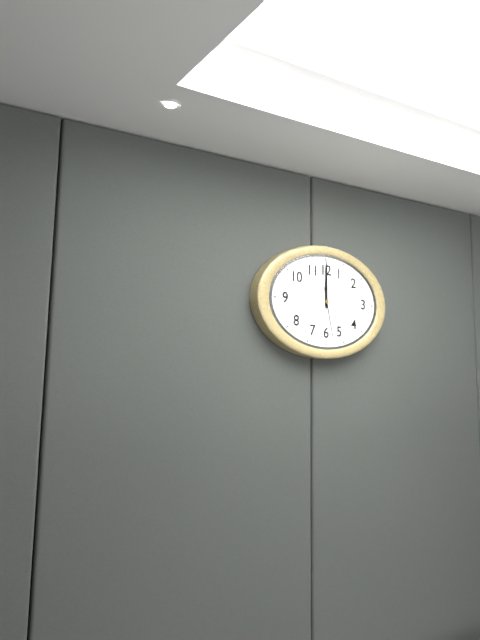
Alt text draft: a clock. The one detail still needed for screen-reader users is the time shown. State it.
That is 12:00
